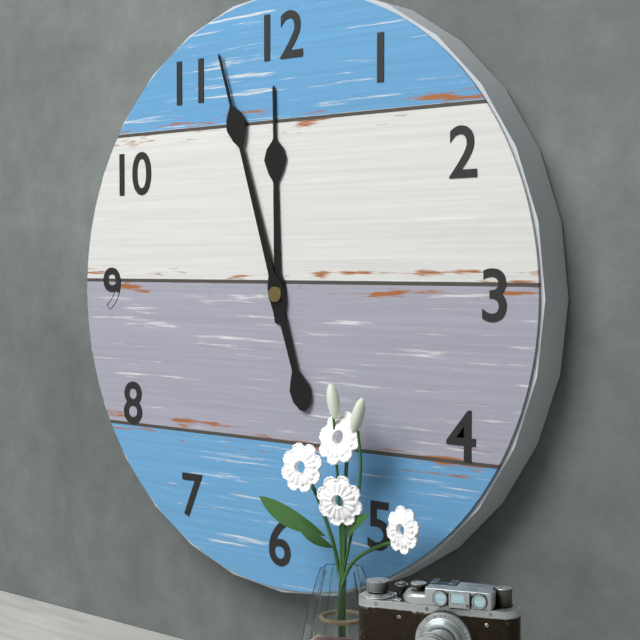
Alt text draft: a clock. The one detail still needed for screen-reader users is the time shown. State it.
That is 11:57
